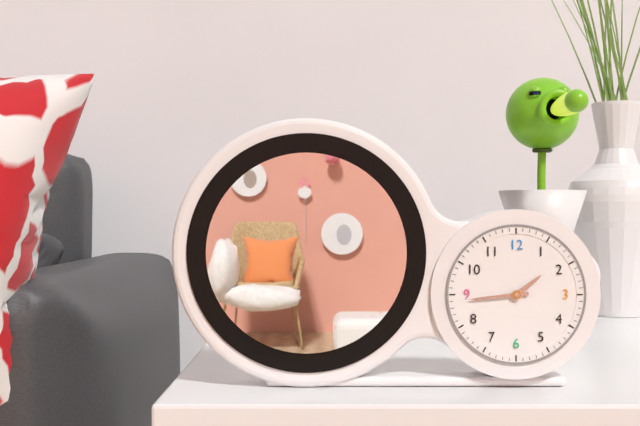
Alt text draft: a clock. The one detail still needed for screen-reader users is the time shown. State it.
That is 1:44
